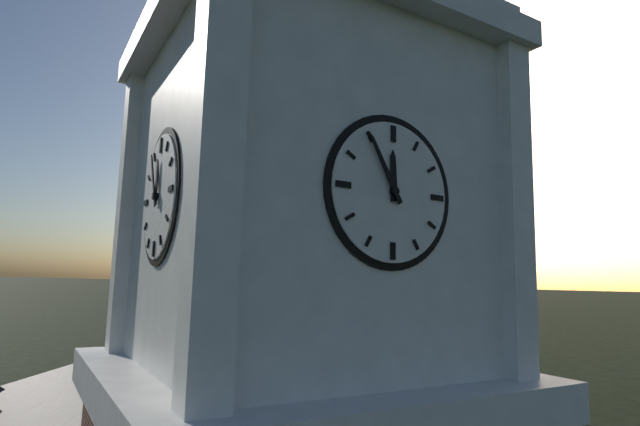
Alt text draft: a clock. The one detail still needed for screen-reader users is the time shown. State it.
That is 11:55
